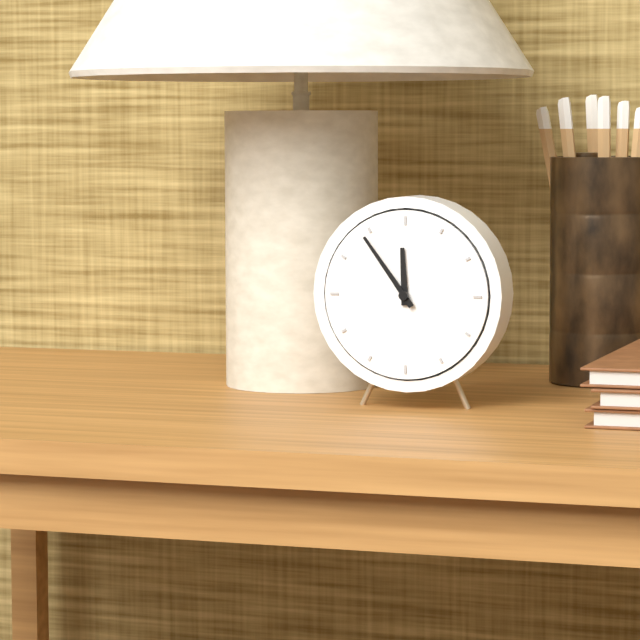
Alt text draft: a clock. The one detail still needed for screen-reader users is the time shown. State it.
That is 11:54
